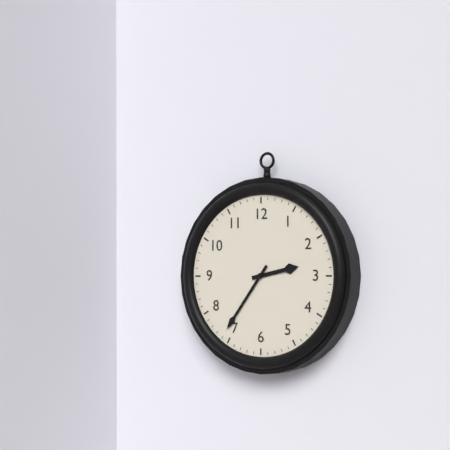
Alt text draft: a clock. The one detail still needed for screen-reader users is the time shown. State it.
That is 2:36
